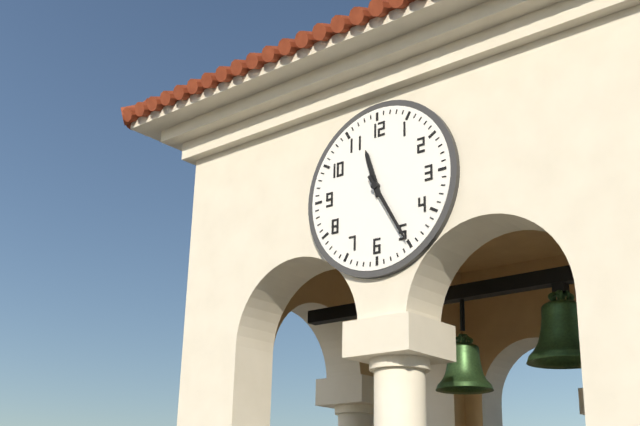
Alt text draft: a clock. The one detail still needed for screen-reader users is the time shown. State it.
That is 11:25
